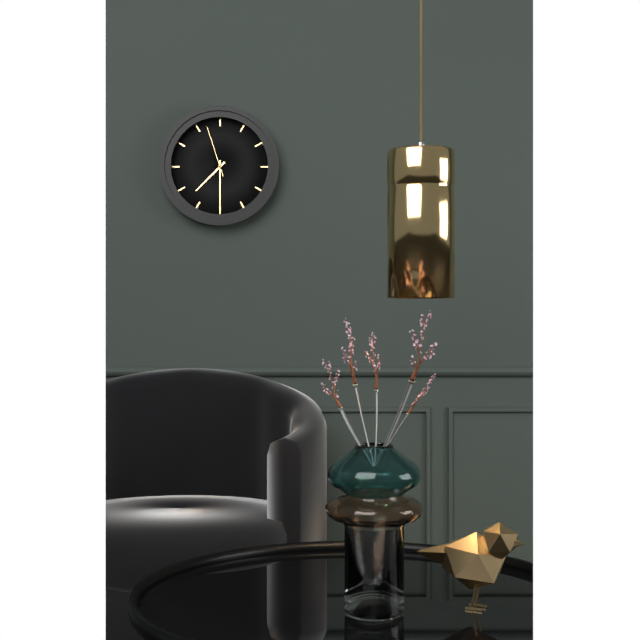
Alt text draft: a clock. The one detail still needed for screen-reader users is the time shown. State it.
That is 7:30:57
